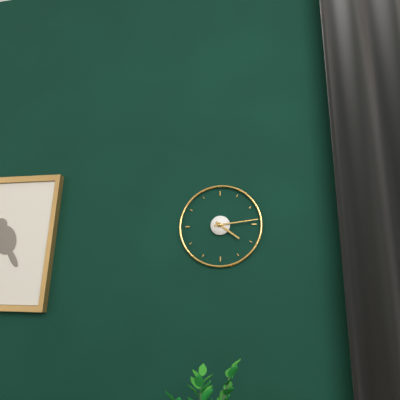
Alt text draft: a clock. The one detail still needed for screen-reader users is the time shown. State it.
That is 4:14
